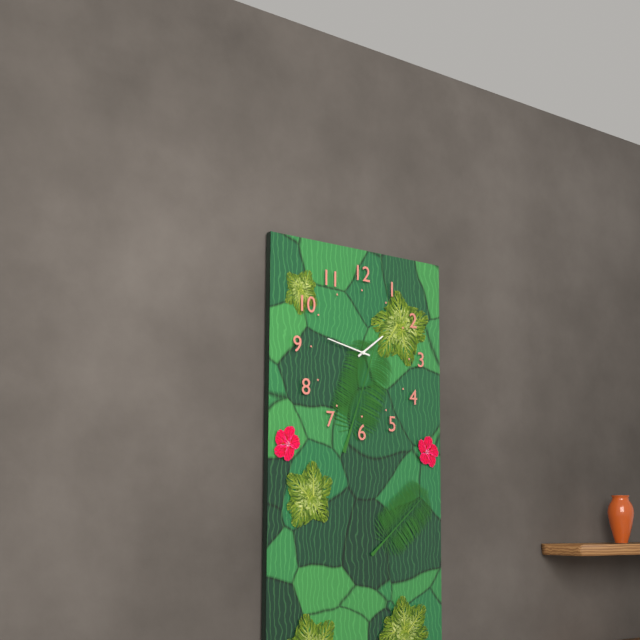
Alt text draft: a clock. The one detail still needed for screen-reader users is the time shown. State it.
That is 1:47
